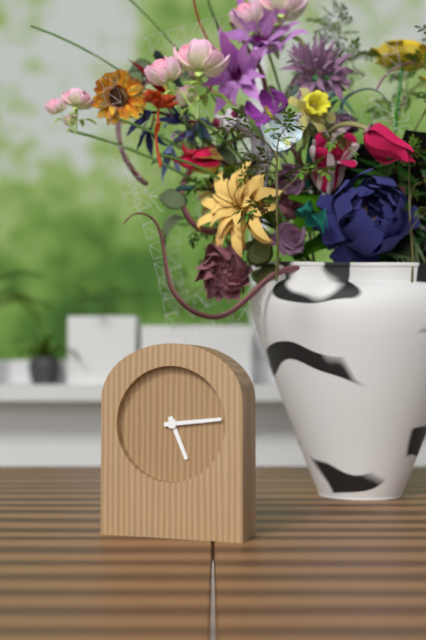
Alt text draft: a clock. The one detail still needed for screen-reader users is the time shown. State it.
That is 5:14
